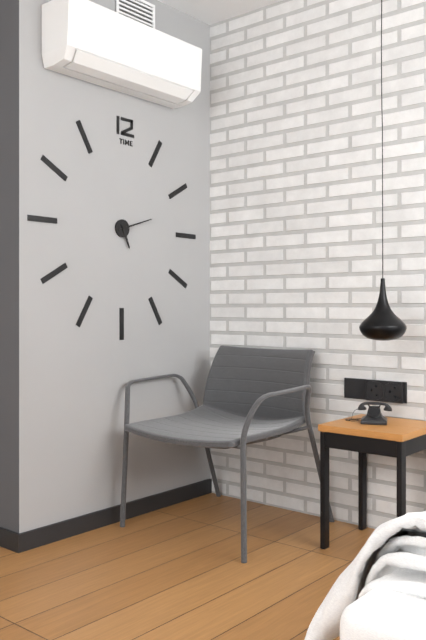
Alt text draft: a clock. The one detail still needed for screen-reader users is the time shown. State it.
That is 5:12
